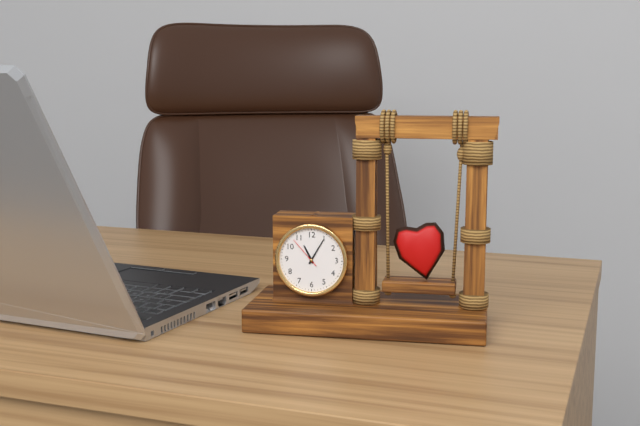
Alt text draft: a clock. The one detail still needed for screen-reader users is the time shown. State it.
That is 11:05
